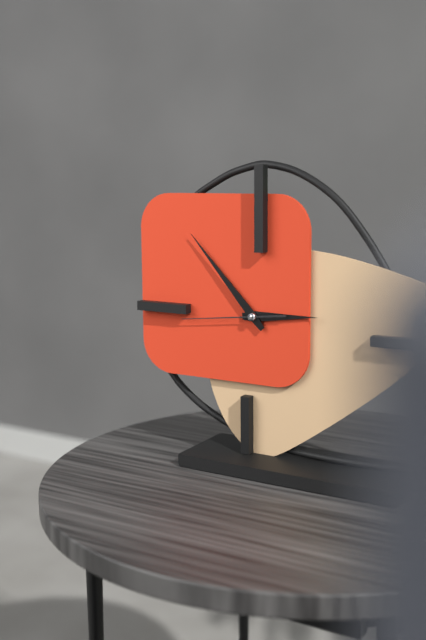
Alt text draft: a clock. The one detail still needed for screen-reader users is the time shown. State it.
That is 2:53:44
